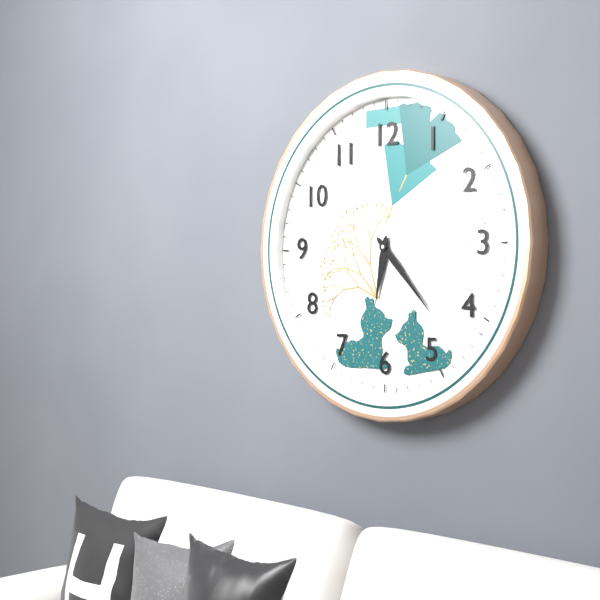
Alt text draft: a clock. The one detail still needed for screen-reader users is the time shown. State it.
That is 6:23
